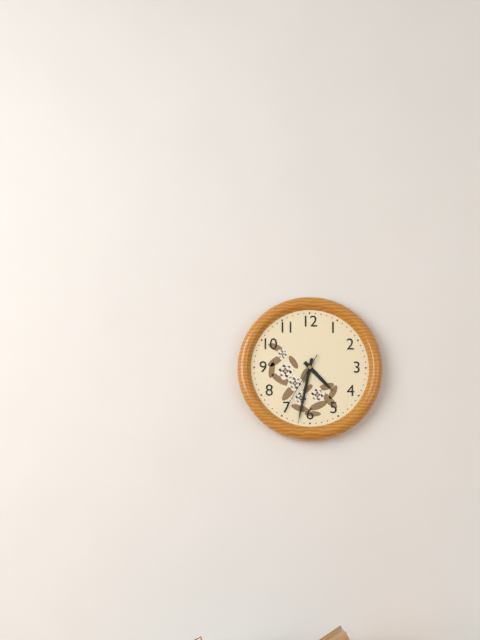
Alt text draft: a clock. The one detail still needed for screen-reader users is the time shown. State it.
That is 4:32:35
